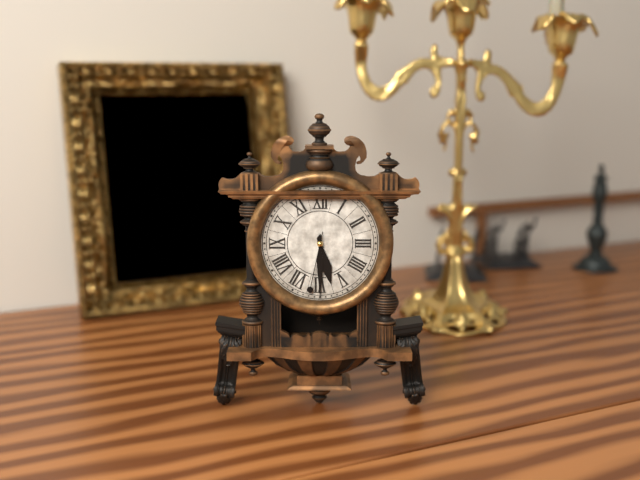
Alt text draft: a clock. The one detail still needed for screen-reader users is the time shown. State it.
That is 5:30:32
